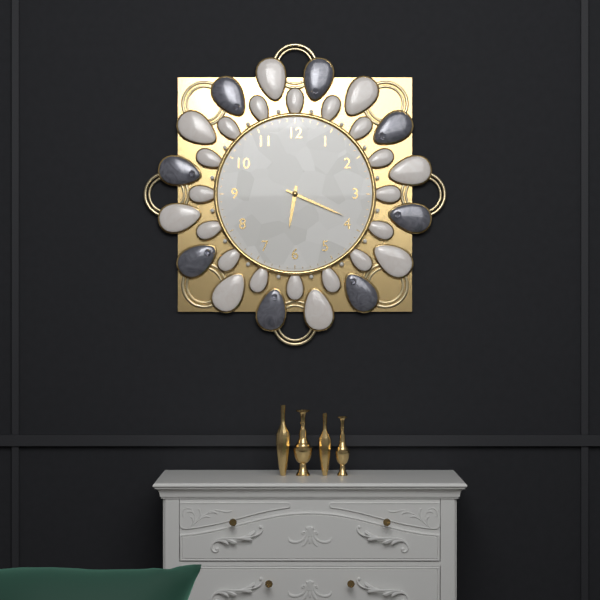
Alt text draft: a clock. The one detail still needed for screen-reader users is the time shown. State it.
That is 6:19
